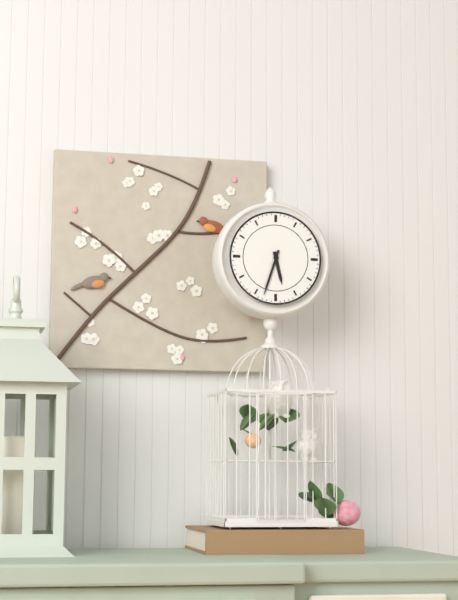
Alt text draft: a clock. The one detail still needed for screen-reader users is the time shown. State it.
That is 5:33
